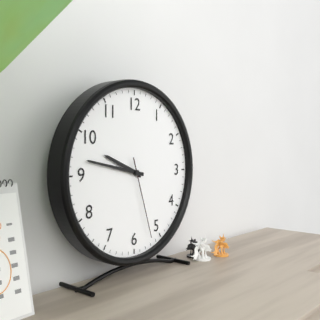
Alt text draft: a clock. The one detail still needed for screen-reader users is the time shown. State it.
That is 9:47:27
